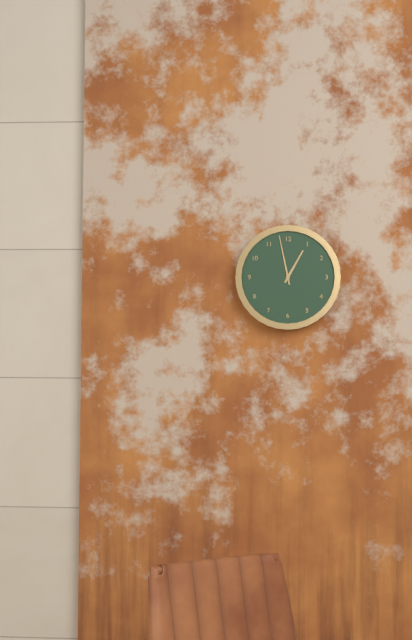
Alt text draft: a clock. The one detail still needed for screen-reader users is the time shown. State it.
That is 12:58
